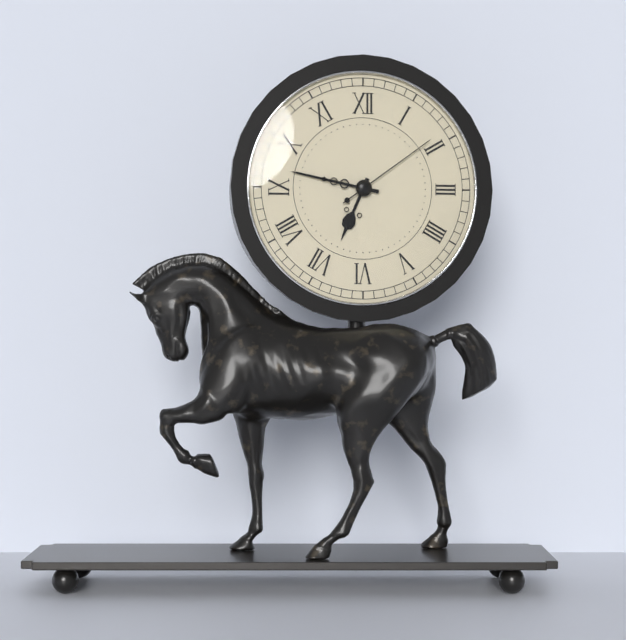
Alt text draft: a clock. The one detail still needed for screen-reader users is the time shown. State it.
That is 6:47:09
